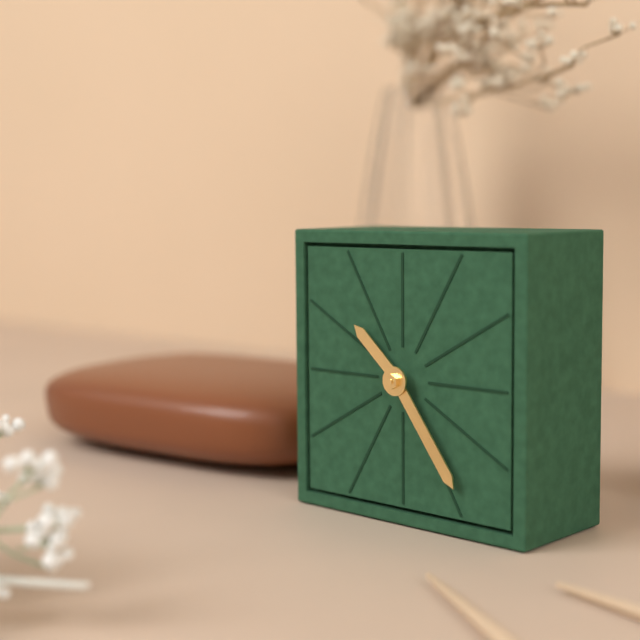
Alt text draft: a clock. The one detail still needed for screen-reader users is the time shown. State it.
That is 10:24
